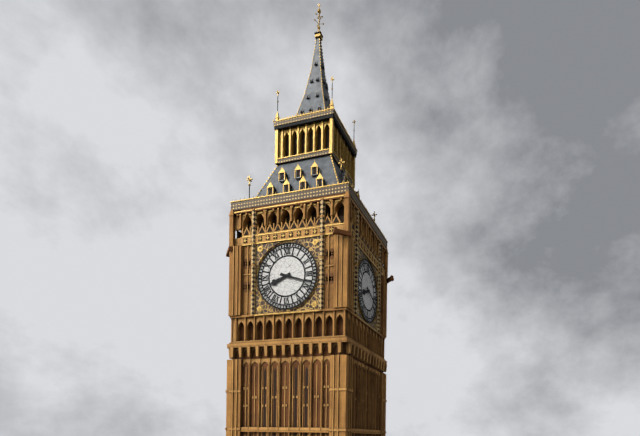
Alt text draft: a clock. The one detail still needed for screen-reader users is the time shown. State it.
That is 8:18
